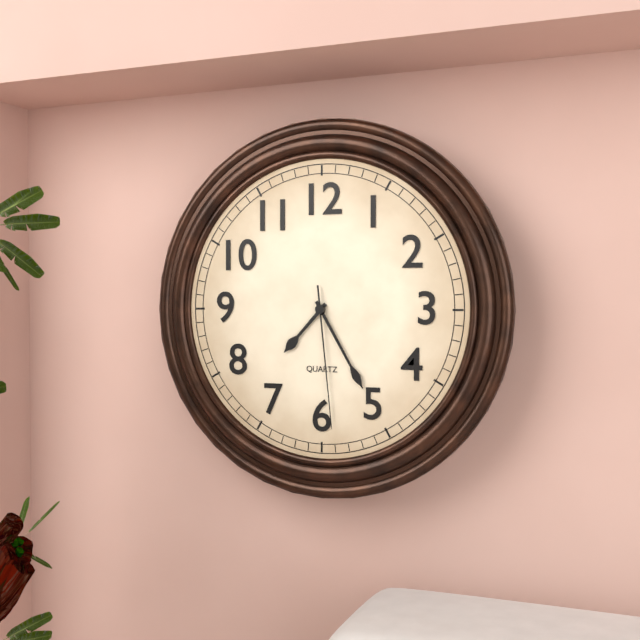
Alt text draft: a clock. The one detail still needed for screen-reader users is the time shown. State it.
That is 7:25:29
